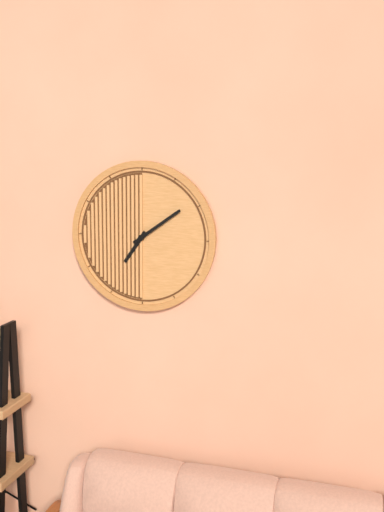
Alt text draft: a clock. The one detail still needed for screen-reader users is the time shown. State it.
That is 7:09
